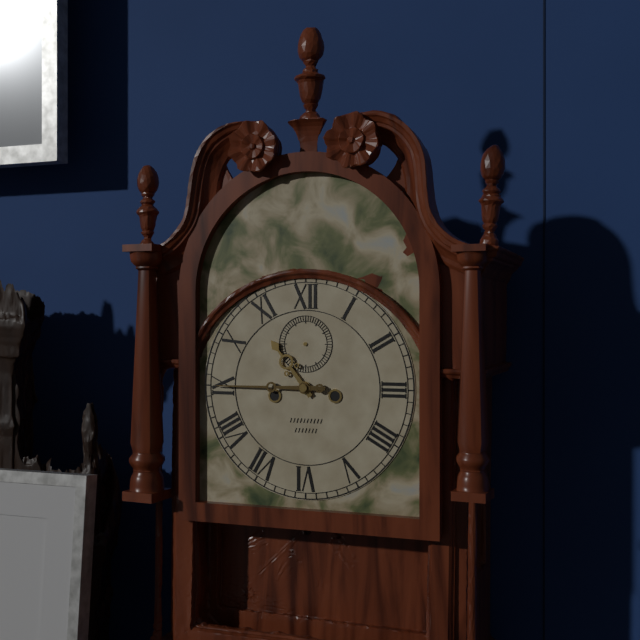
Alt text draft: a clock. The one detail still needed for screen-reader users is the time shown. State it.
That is 10:45
